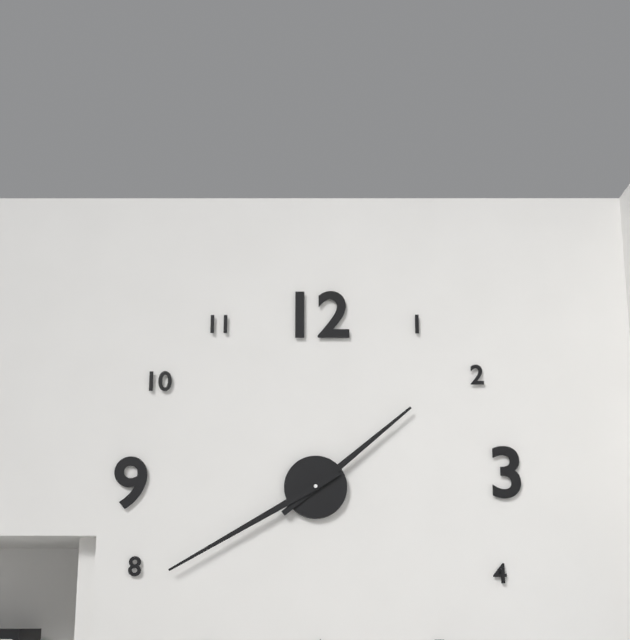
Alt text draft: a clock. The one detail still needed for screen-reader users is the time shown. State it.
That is 1:40
